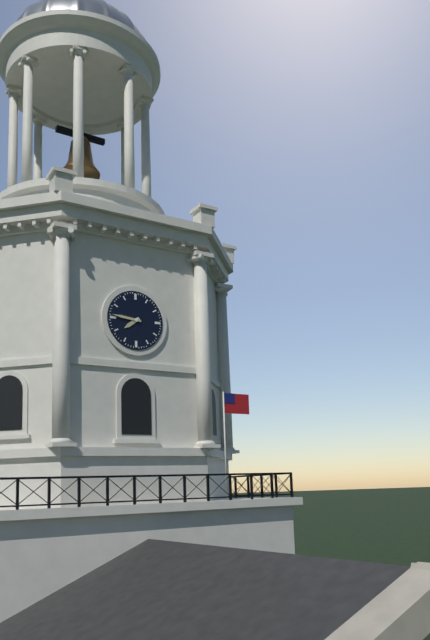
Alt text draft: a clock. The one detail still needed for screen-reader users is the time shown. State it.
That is 7:46
